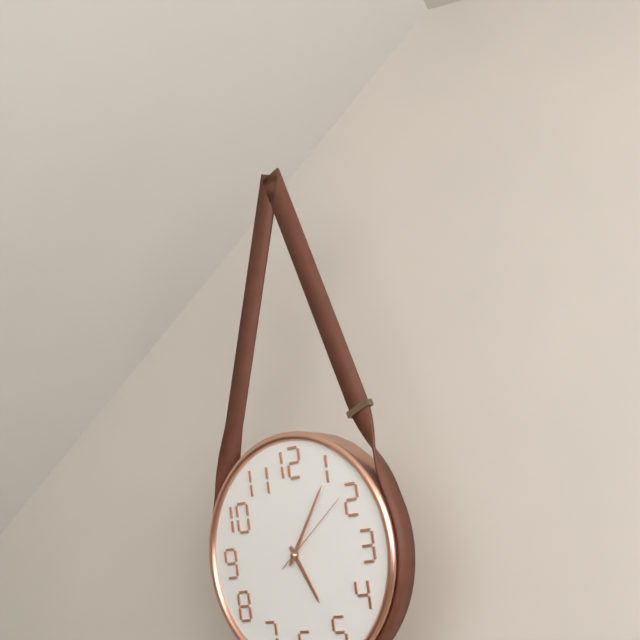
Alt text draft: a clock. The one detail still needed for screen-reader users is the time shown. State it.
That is 5:06:09
